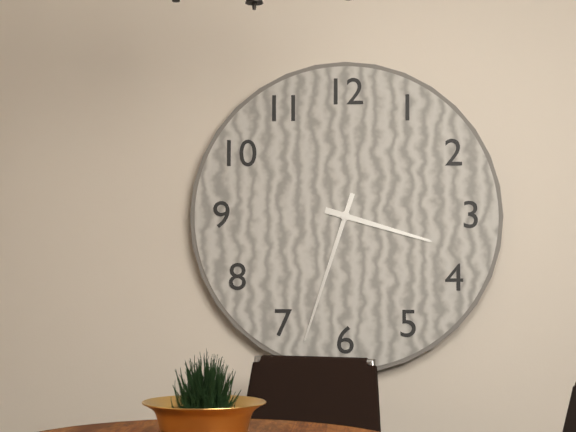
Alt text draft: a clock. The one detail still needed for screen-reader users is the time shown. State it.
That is 3:33
